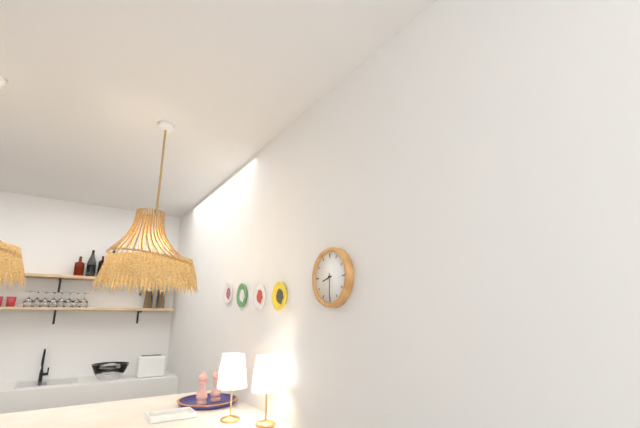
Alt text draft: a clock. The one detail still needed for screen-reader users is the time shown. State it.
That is 8:30
